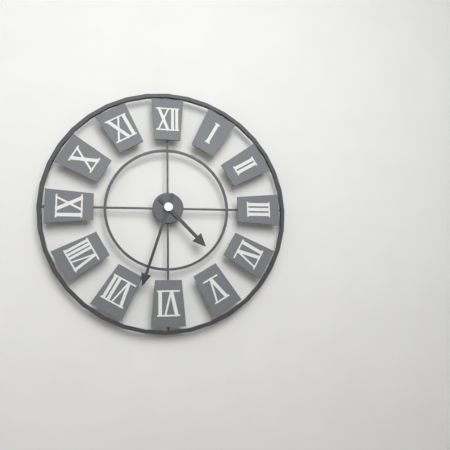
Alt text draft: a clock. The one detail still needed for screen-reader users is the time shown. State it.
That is 4:33
